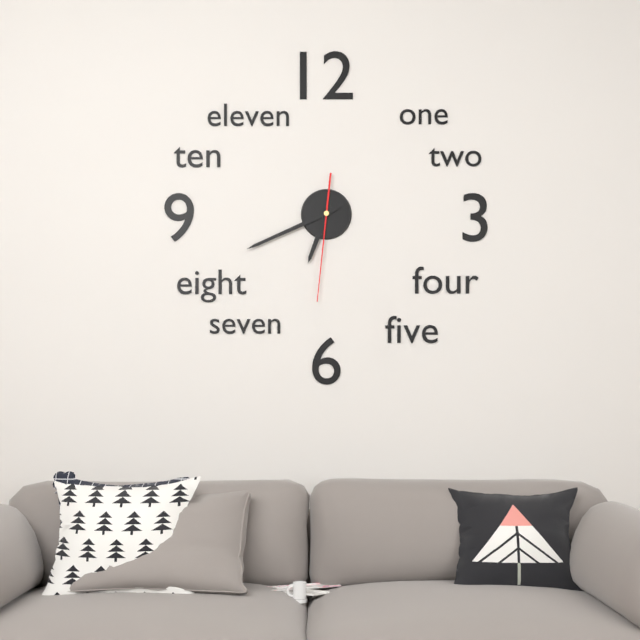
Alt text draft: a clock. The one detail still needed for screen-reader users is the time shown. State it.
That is 6:41:31
